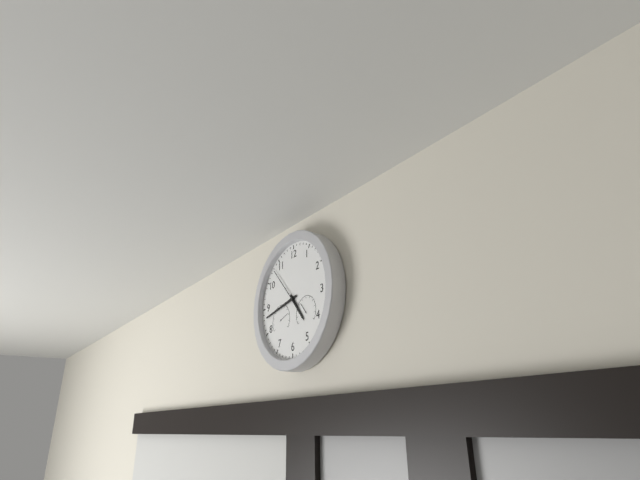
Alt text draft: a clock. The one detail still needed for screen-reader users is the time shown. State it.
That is 4:43
